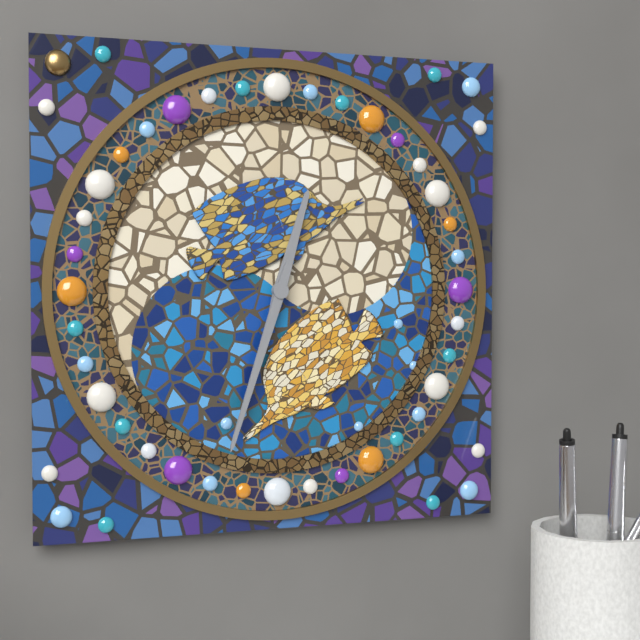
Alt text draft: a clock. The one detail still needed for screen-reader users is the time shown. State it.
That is 12:33
